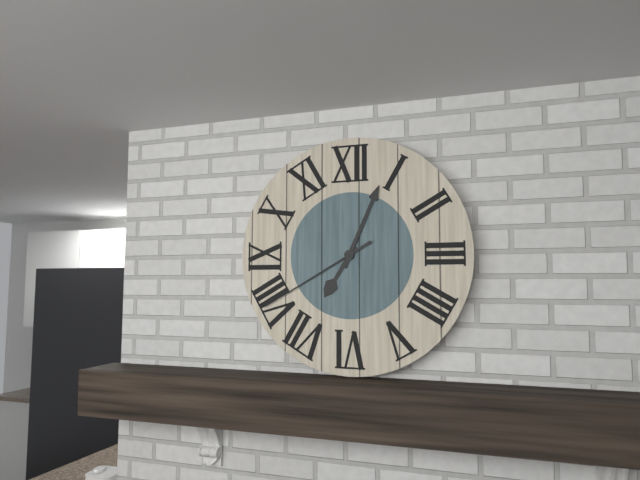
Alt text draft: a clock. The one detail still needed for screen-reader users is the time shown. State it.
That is 7:04:40
